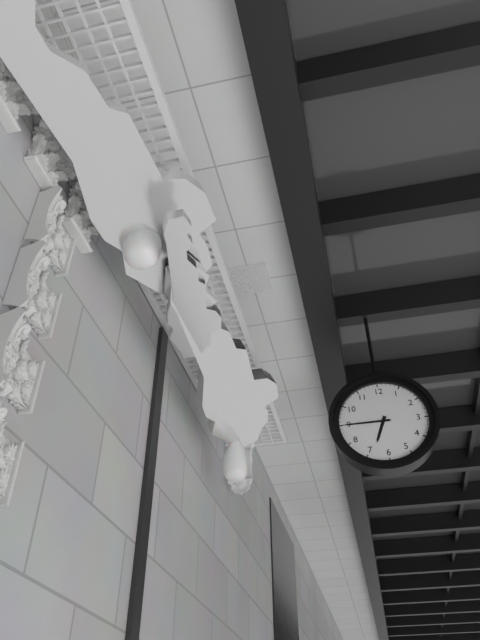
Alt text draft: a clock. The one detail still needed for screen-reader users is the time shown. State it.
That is 6:45
